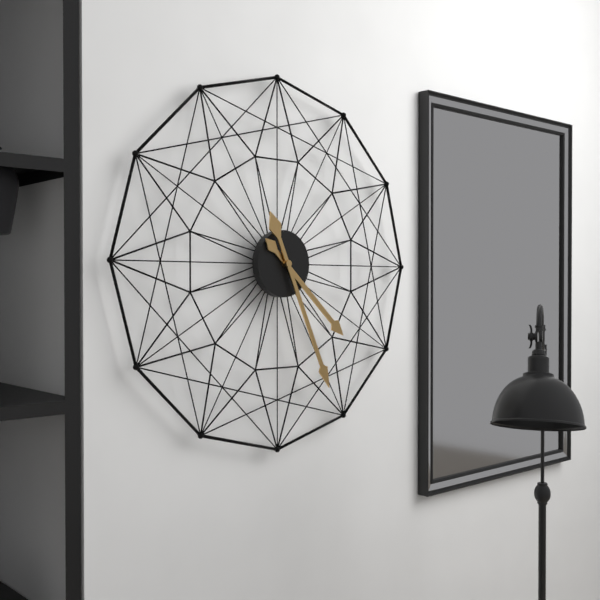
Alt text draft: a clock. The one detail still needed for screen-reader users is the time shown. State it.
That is 4:26
